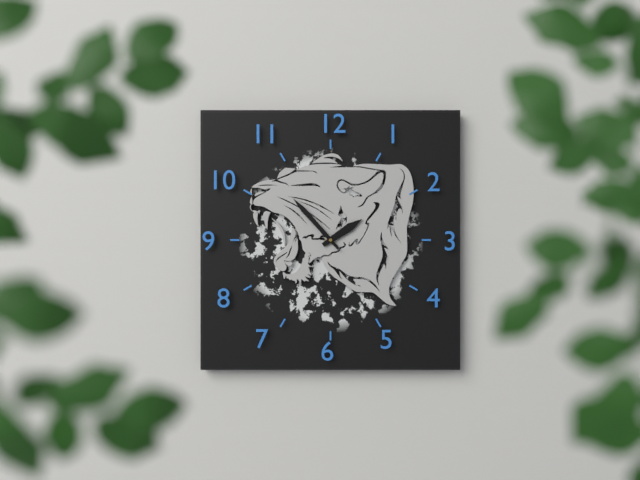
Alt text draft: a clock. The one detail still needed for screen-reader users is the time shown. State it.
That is 1:53
